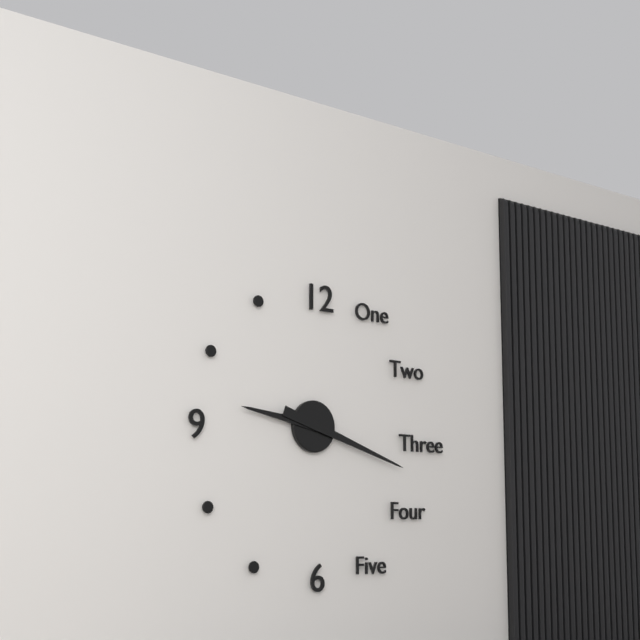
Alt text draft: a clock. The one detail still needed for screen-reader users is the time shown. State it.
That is 9:18
